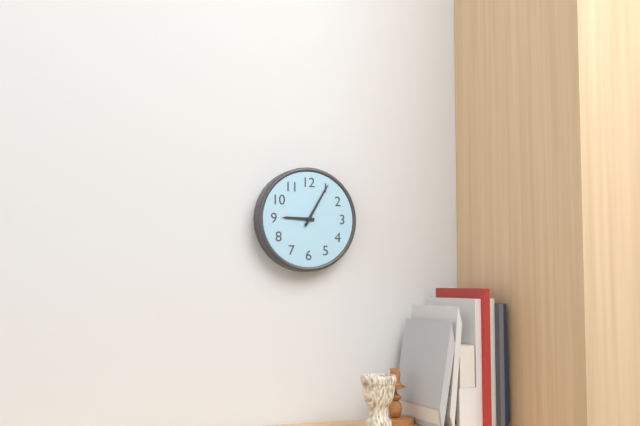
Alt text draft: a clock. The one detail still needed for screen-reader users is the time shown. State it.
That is 9:05
